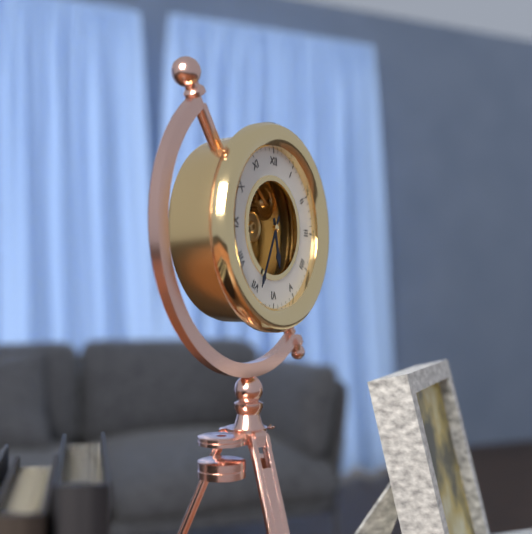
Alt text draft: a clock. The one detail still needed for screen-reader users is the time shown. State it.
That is 5:34
